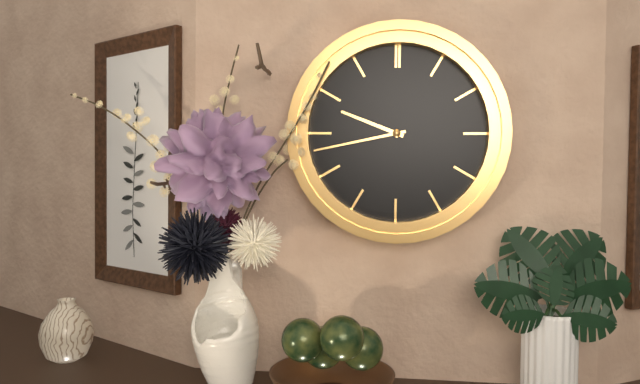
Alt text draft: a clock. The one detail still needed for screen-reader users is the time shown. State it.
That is 9:43
